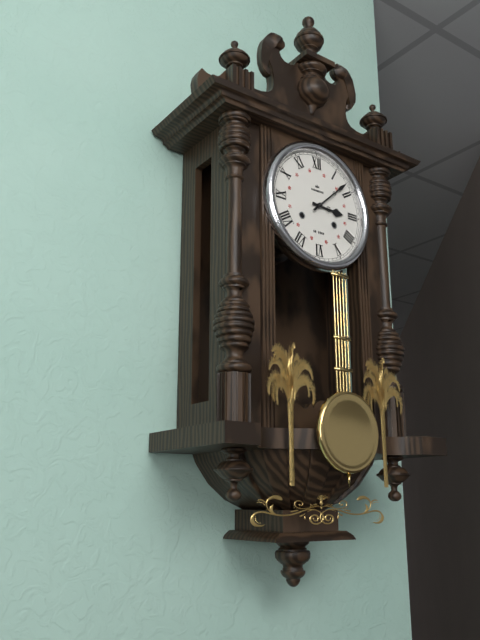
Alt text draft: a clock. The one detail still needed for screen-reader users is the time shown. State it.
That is 3:08
